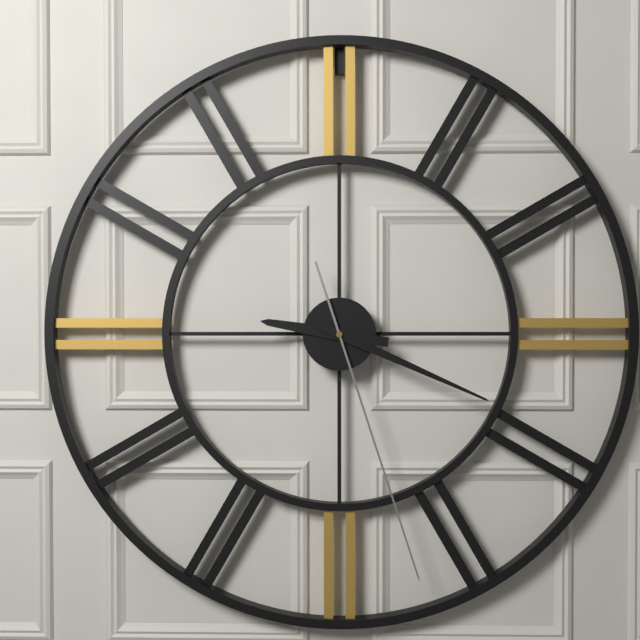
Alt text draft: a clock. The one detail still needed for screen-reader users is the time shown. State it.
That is 9:19:27
